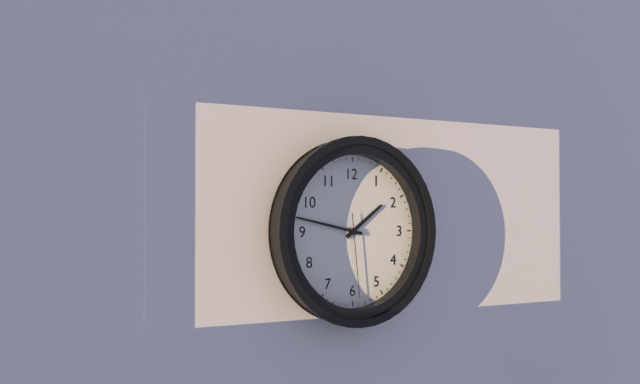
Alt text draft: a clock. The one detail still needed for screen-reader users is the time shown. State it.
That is 1:47:29
